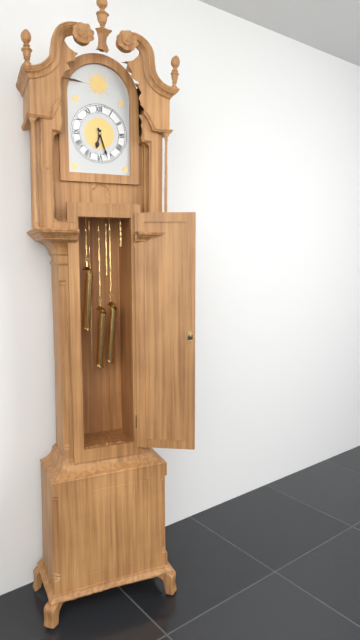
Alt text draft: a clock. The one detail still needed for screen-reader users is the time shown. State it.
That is 6:27
